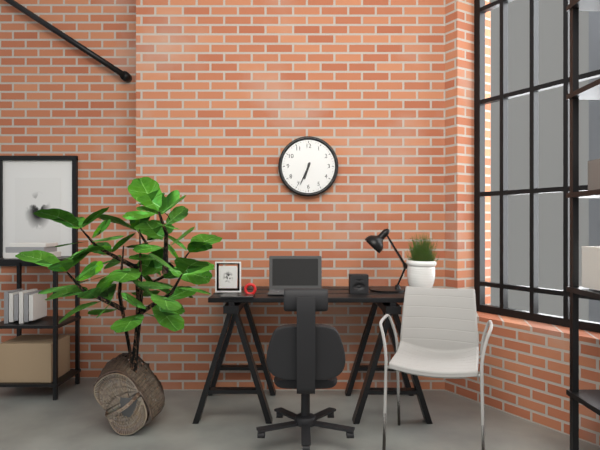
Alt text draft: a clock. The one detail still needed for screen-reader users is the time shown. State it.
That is 6:34
